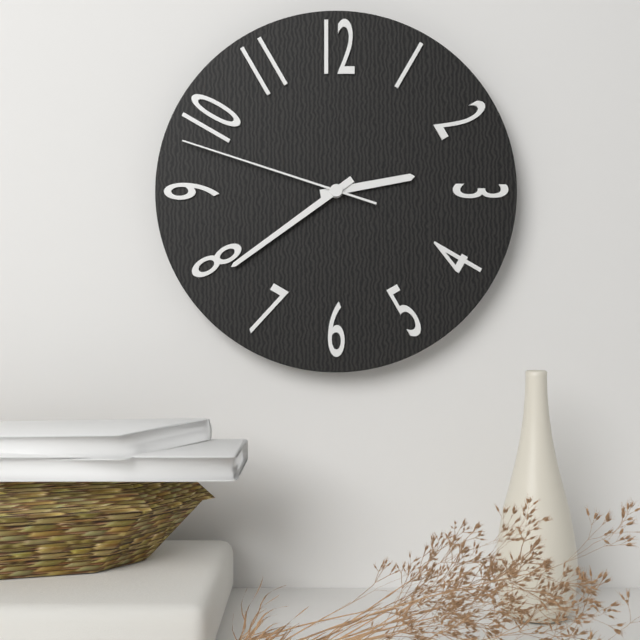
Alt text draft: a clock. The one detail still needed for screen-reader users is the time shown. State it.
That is 2:39:48
